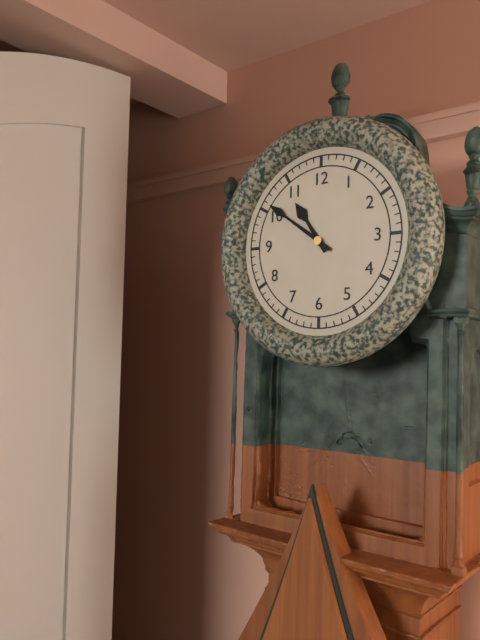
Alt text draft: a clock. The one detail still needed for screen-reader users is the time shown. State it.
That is 10:51
